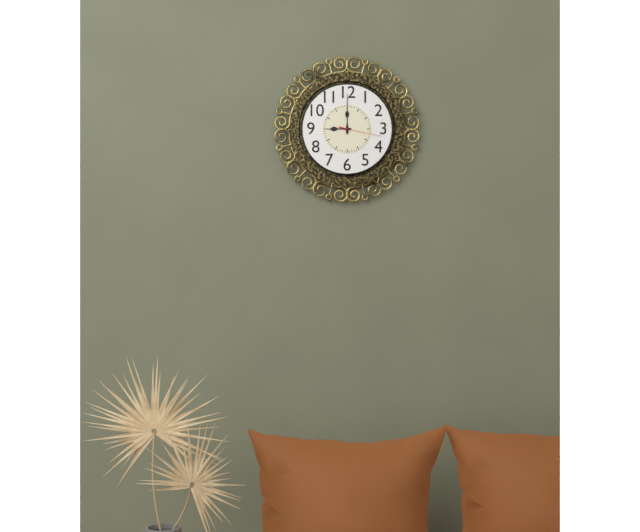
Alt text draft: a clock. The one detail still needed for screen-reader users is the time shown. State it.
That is 9:00
